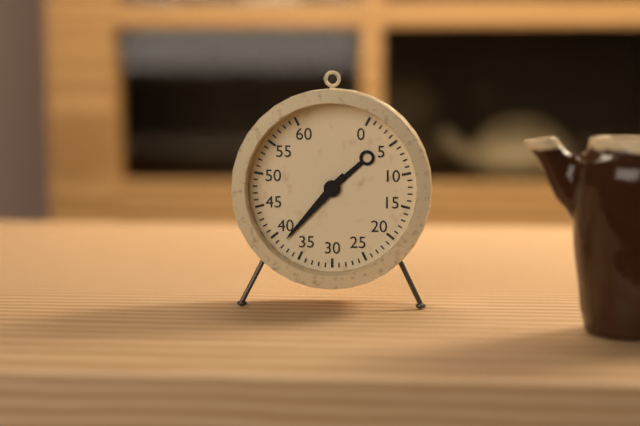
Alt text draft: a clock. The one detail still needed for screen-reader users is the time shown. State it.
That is 1:37
